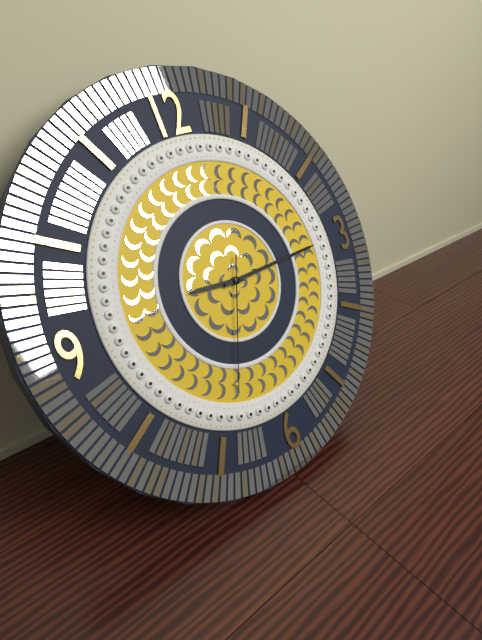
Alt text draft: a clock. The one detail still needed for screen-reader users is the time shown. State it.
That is 9:15:34
